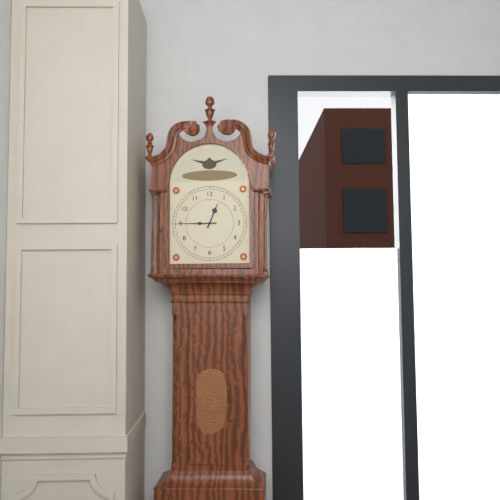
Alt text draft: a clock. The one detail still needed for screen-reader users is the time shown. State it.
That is 12:45
